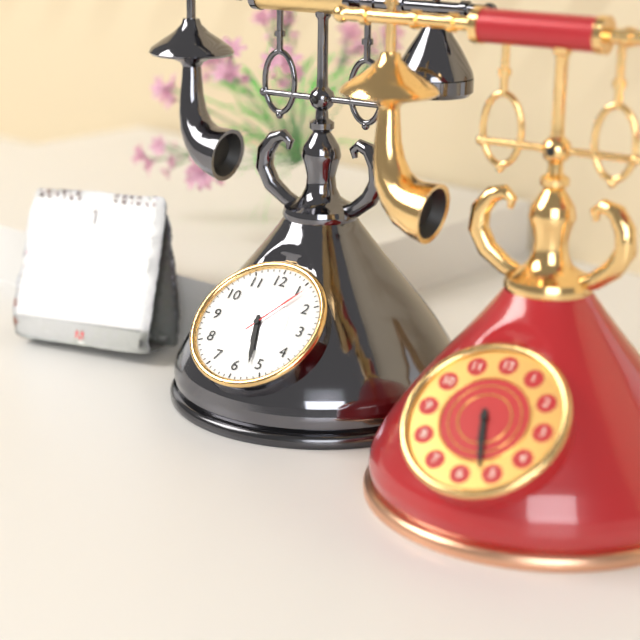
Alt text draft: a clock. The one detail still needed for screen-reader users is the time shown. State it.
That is 5:27:06
